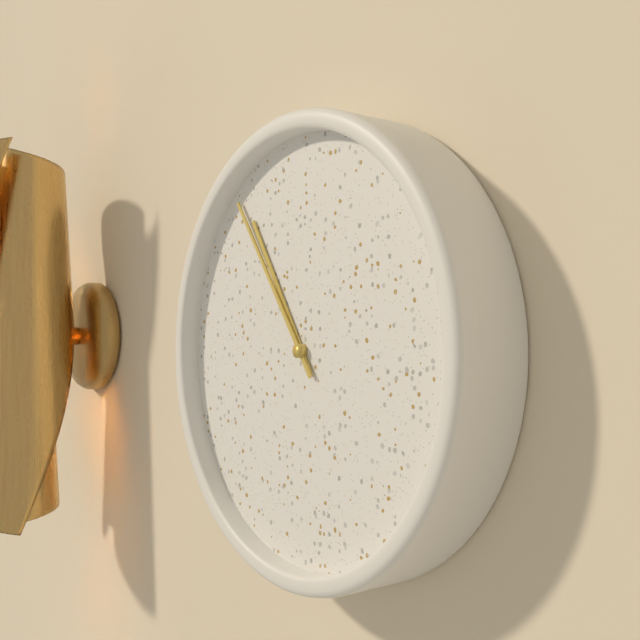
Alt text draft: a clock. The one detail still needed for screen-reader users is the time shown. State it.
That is 10:54
